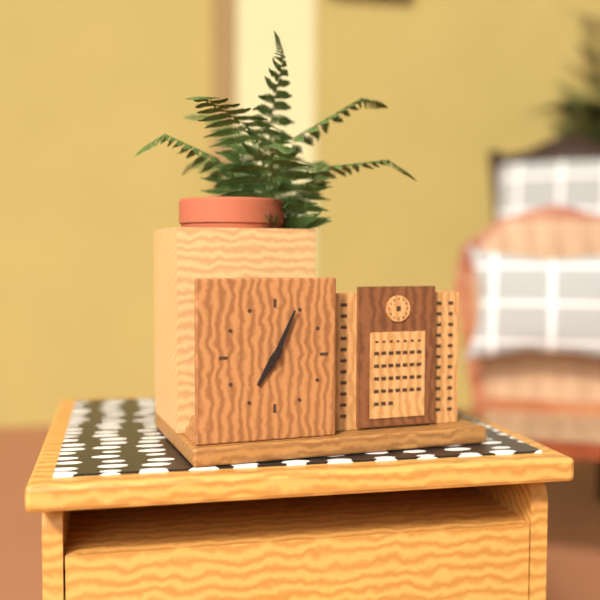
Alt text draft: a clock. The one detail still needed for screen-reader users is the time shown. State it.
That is 7:04
